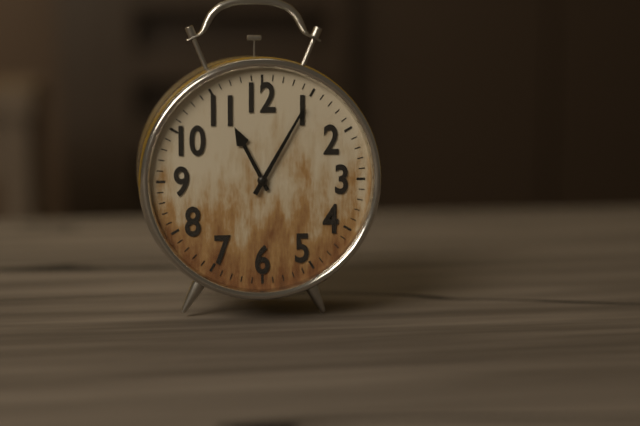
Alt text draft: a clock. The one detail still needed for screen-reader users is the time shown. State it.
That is 11:05
